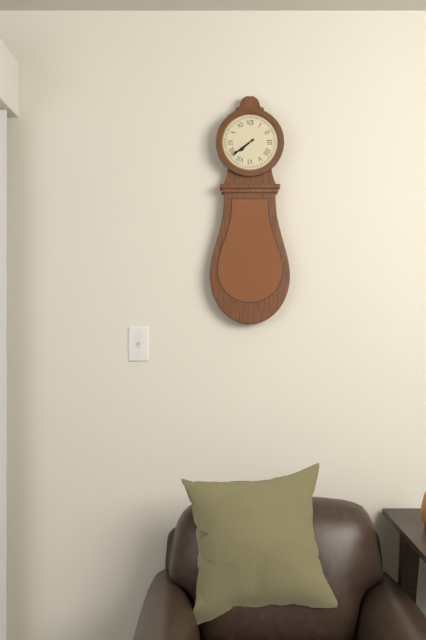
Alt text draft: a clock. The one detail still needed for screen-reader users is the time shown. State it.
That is 7:39
